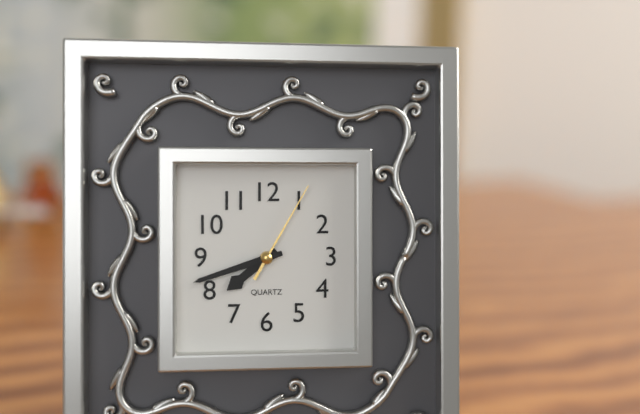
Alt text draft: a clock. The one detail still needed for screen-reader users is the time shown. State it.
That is 7:42:05
